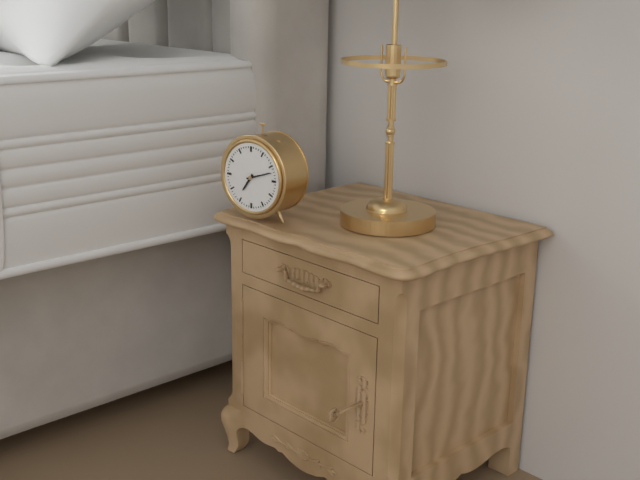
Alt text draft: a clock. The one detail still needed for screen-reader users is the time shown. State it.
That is 7:12
